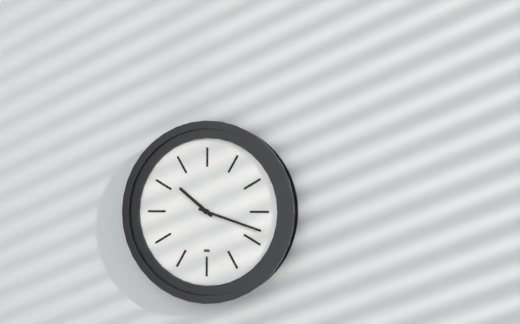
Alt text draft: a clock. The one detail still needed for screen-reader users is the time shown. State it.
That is 10:18
